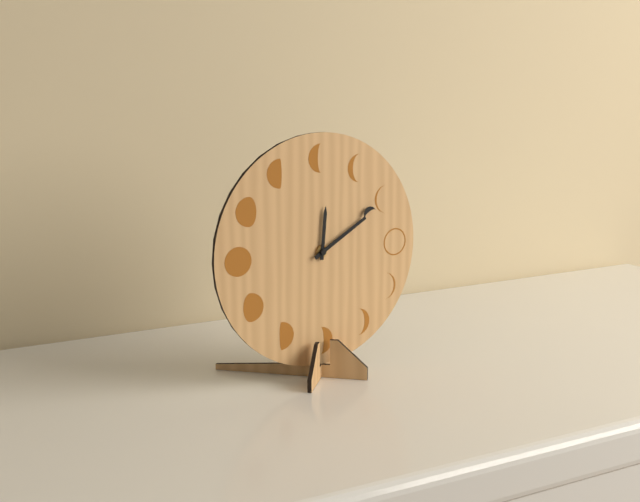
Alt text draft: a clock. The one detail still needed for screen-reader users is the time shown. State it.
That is 12:10
